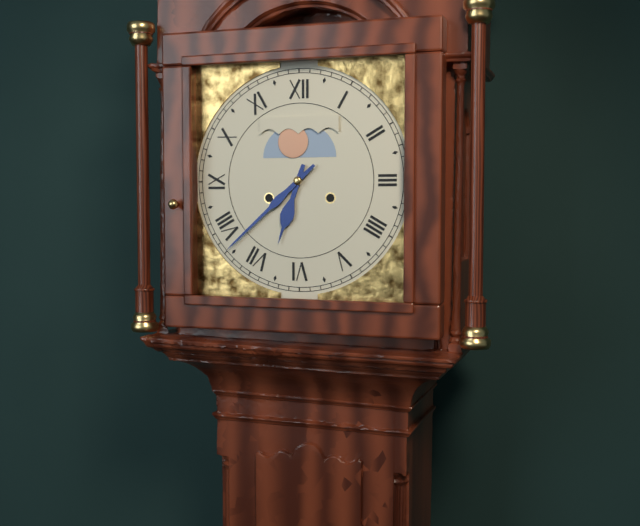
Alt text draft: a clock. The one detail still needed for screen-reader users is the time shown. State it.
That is 6:38
